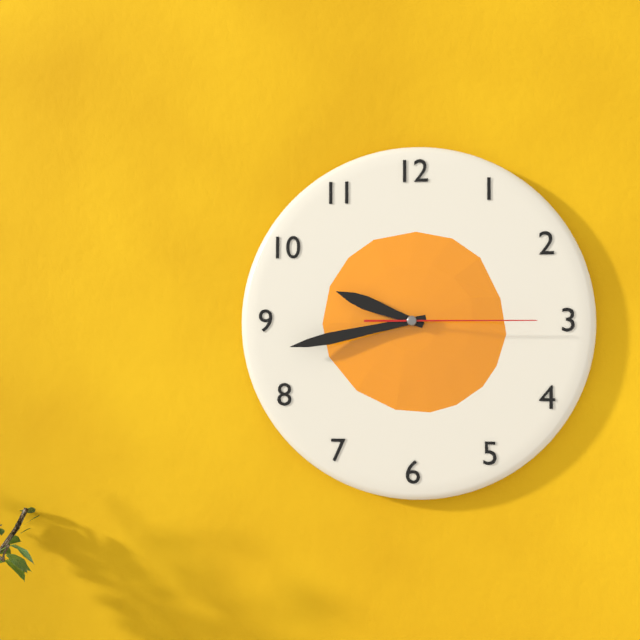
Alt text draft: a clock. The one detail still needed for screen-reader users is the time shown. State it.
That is 9:43:15
